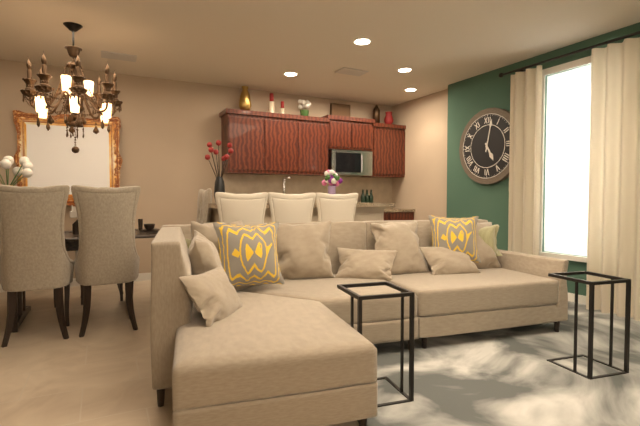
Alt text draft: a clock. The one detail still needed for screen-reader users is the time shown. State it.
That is 5:02
